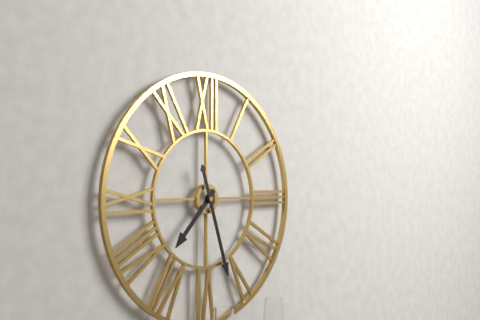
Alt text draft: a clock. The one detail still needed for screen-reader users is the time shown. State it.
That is 7:27
